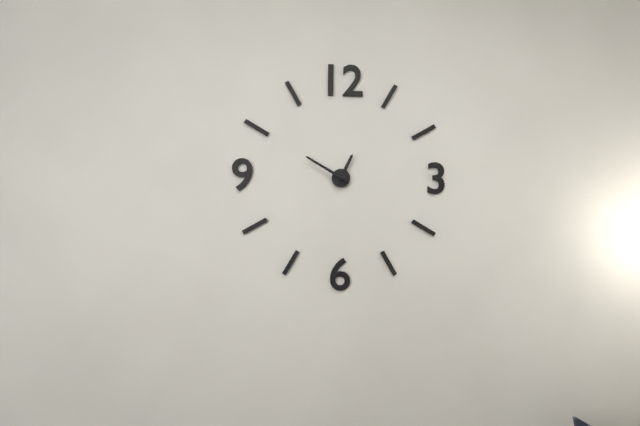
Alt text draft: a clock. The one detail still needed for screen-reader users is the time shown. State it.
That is 12:50
